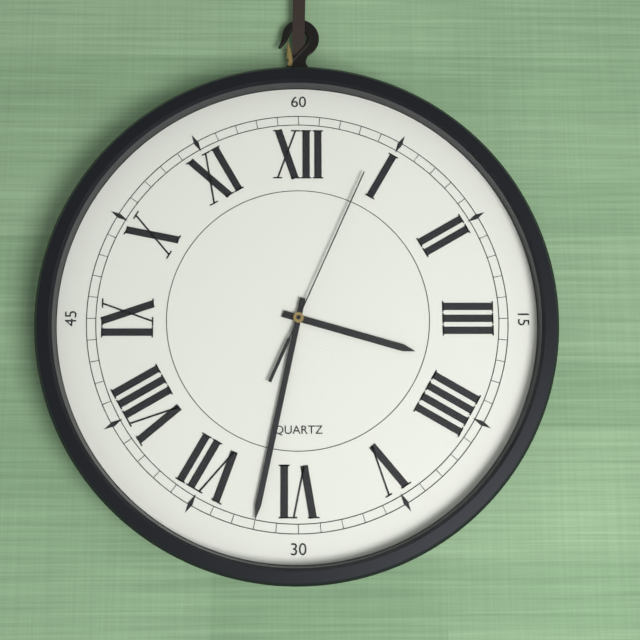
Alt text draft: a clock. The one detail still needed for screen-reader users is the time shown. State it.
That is 3:32:04
